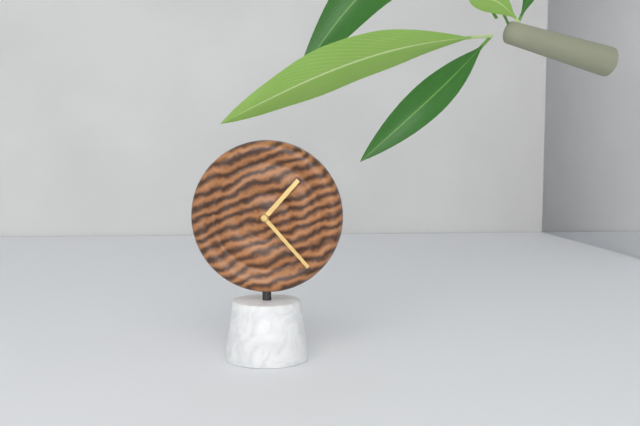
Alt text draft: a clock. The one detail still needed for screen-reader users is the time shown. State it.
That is 1:23
